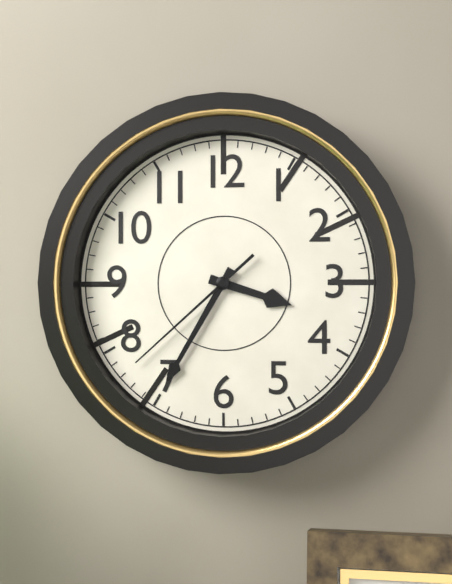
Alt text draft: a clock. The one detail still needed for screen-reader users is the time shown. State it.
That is 3:35:38
